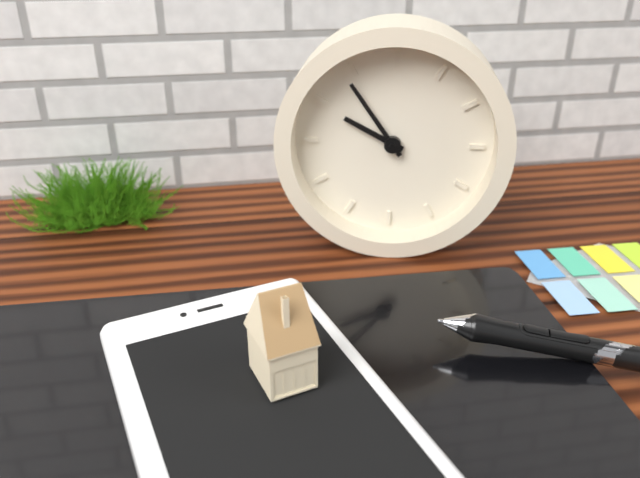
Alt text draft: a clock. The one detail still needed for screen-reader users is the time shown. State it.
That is 9:54
